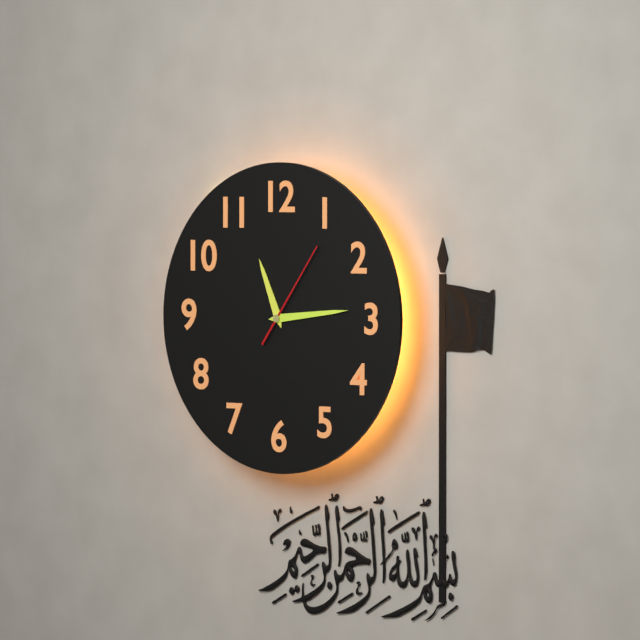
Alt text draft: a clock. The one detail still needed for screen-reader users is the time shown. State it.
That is 11:14:06
